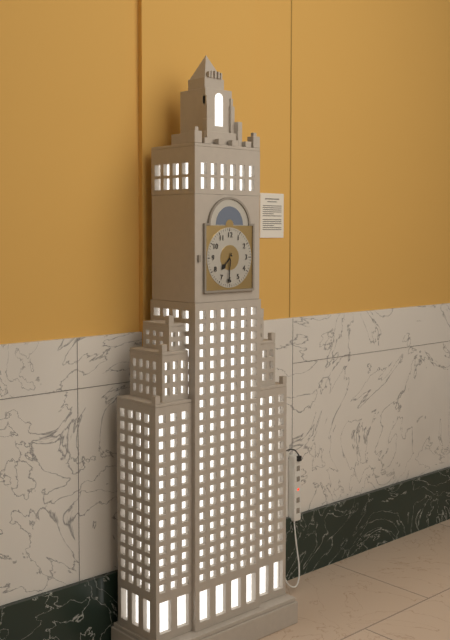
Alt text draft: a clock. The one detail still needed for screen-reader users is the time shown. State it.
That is 7:31
